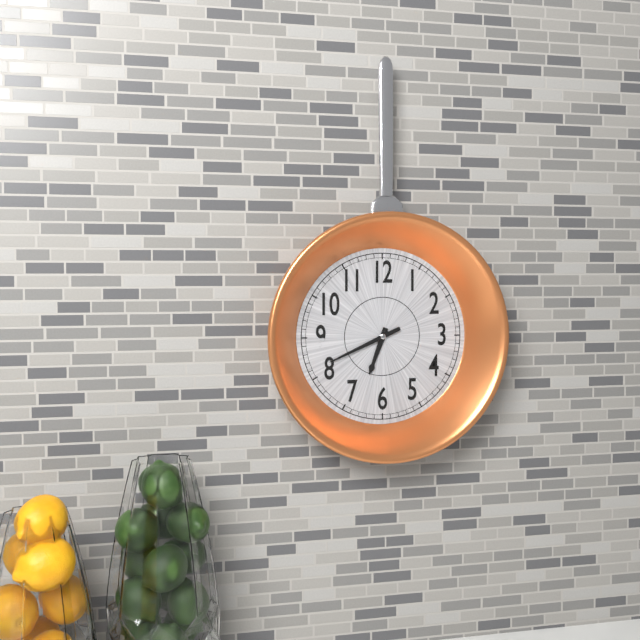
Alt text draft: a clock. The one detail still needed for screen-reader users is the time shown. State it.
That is 6:41
